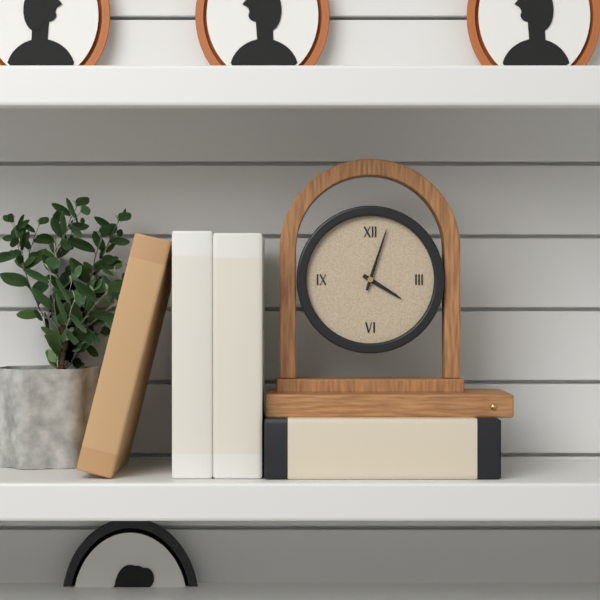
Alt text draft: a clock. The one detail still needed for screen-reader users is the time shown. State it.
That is 4:03
